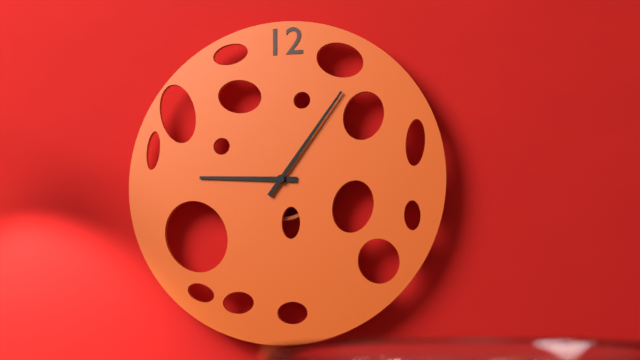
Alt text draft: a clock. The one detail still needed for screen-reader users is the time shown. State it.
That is 9:06
